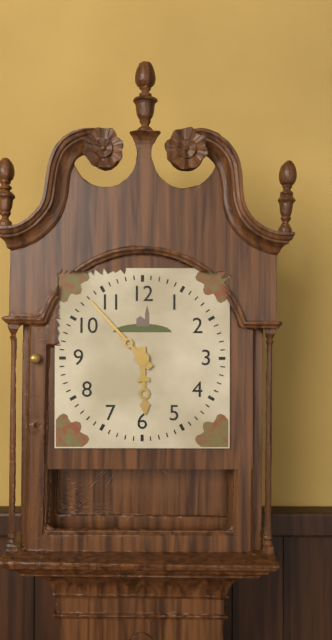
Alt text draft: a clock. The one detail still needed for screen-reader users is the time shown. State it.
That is 5:53
